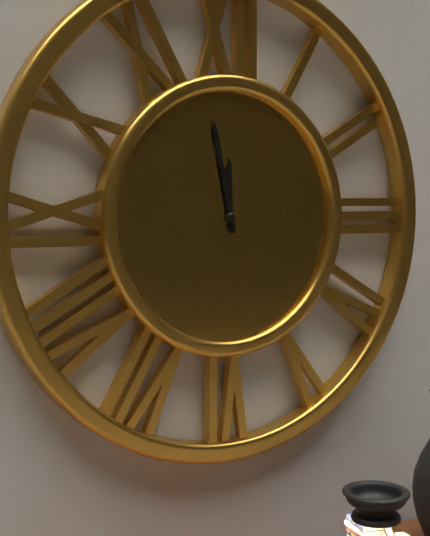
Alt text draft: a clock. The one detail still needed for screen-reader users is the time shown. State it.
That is 11:58
